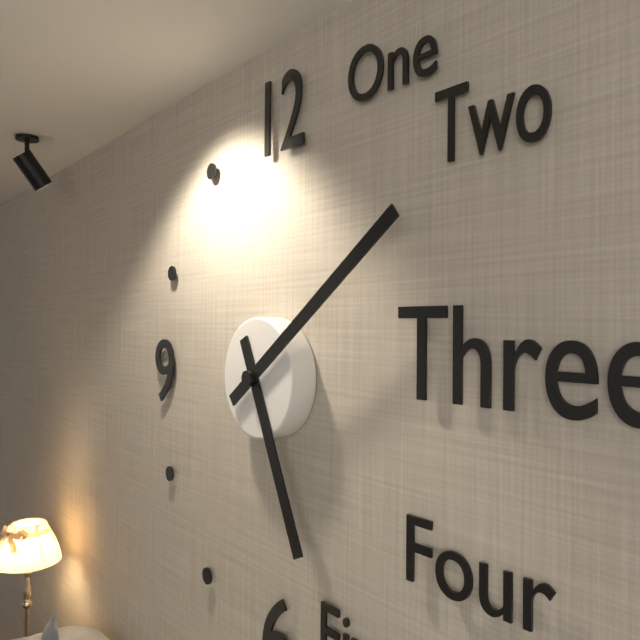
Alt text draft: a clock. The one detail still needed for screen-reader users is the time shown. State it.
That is 5:09
